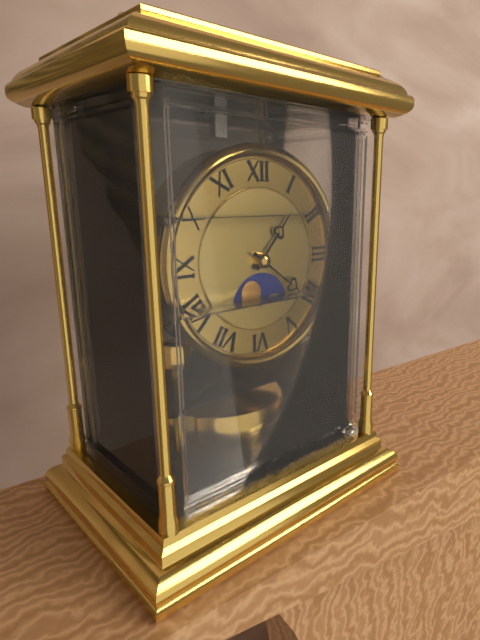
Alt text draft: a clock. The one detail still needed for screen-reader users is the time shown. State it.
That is 1:21
